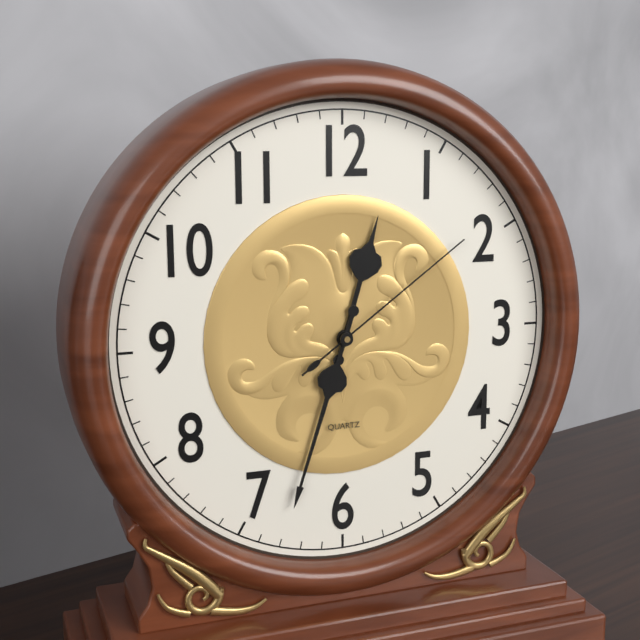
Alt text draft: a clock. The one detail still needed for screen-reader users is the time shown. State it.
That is 12:33:09
